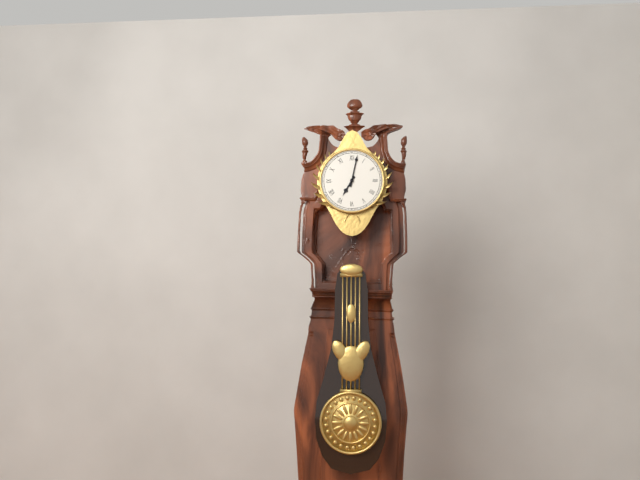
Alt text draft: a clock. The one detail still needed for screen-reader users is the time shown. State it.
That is 7:02
